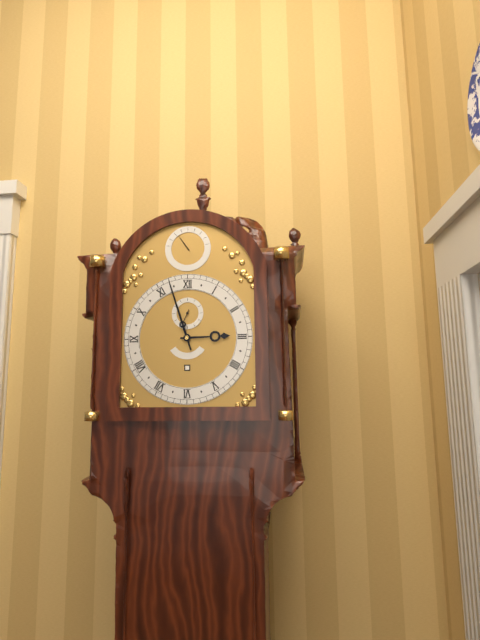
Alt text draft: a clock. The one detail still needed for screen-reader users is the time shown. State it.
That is 2:57
